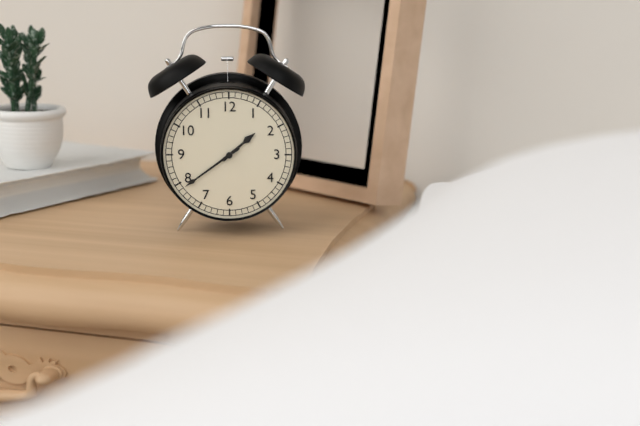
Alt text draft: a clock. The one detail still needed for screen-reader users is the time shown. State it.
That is 1:39
